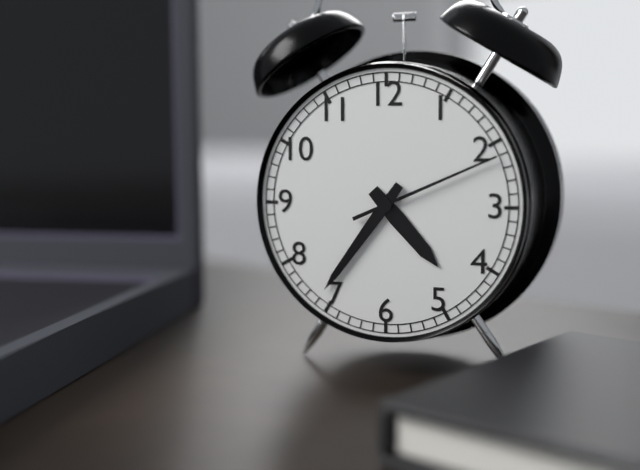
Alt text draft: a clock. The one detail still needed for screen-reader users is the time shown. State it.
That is 4:36:11
